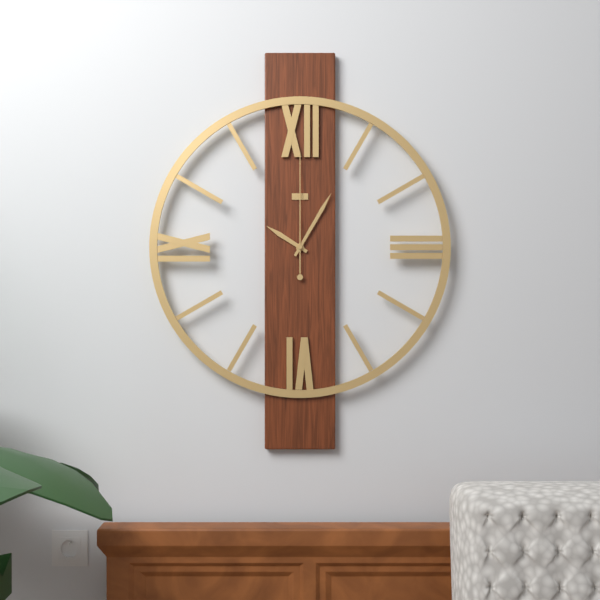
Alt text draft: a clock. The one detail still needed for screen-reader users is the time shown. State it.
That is 10:05:00
